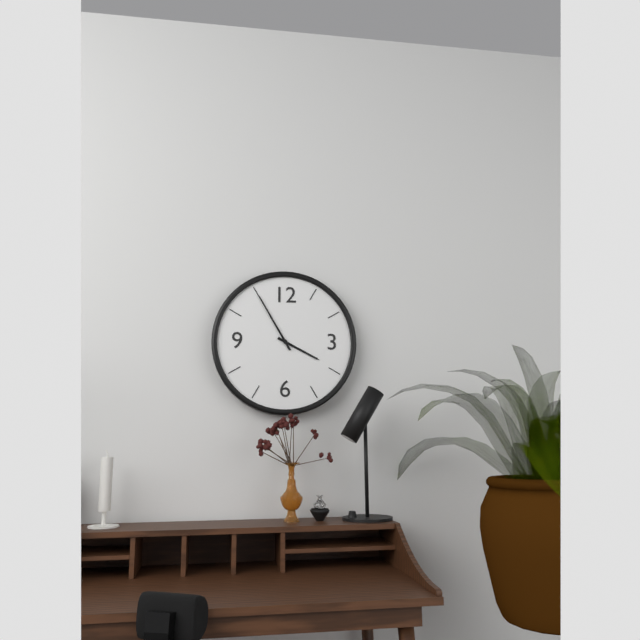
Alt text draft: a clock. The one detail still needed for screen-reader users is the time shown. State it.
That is 3:55
